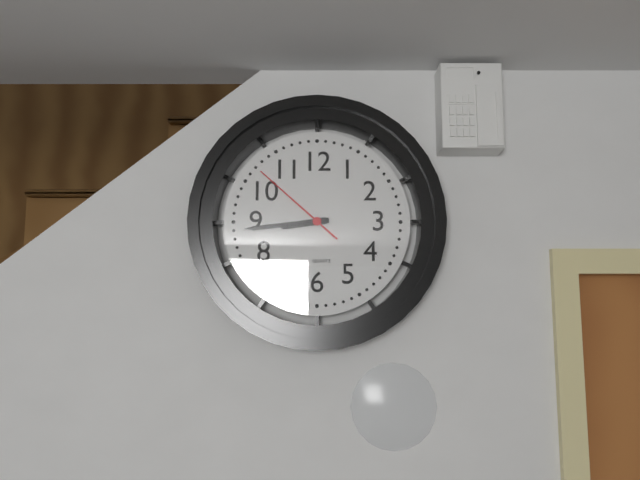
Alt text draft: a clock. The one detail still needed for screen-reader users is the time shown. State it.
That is 8:44:52
